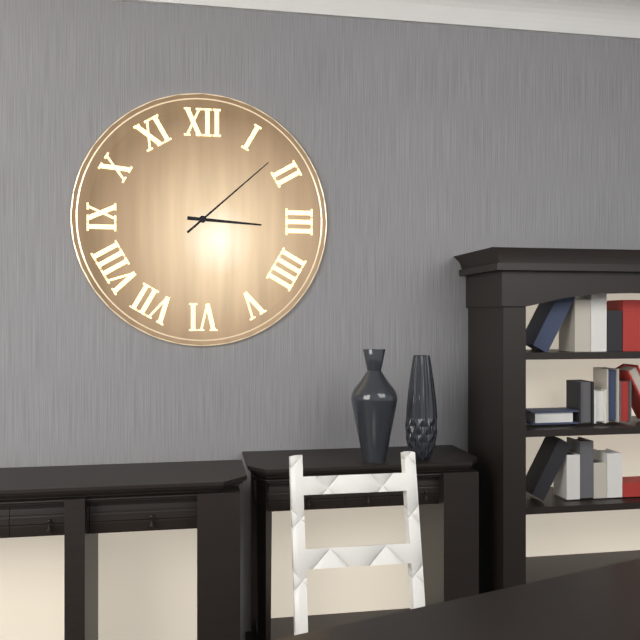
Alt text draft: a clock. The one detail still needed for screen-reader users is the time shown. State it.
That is 3:08
